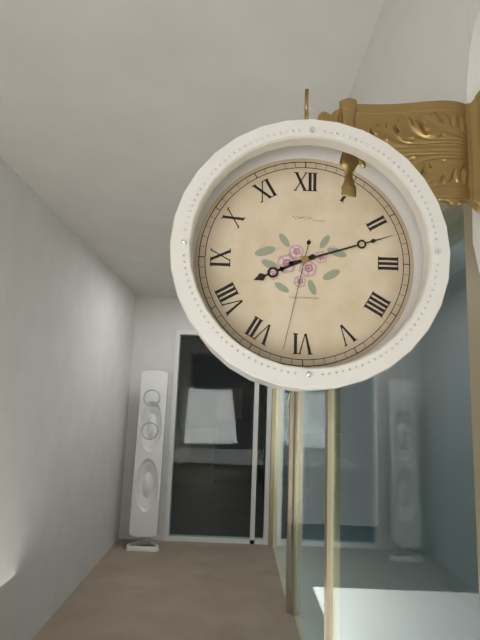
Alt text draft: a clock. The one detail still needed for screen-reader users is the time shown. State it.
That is 8:12:32
